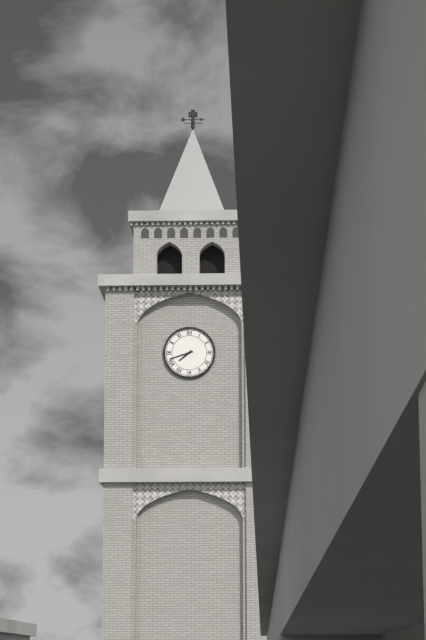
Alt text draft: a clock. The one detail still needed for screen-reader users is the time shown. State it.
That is 7:42
